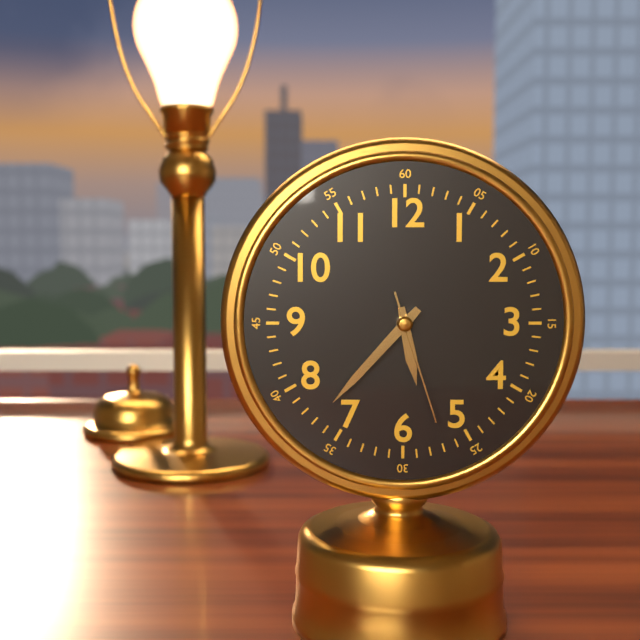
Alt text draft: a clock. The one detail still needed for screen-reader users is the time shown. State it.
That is 5:37:27
